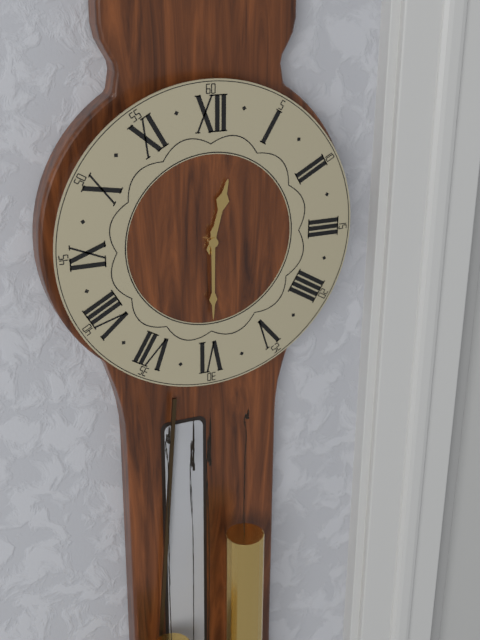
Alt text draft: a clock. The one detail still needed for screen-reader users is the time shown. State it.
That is 12:30
